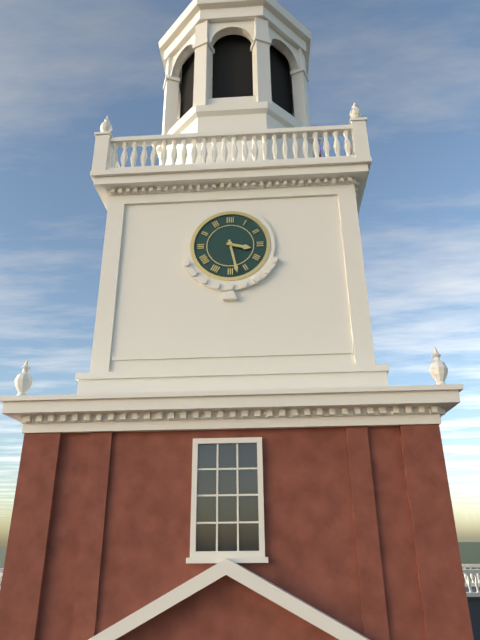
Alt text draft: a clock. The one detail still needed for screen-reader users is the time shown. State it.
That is 3:28
